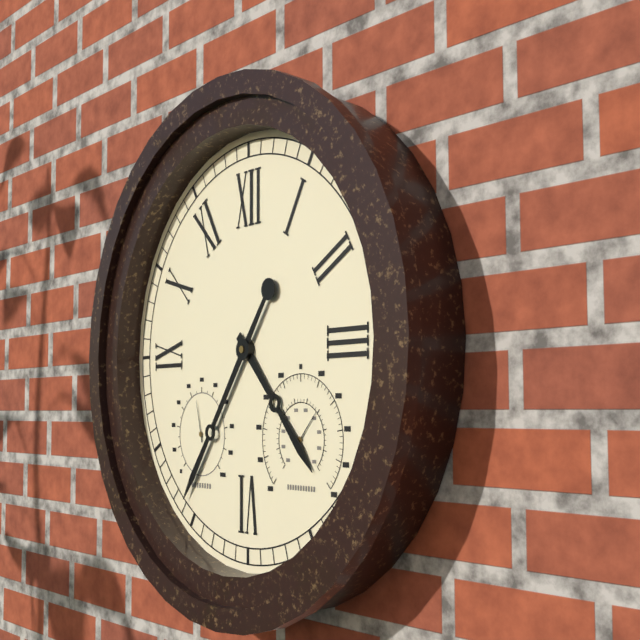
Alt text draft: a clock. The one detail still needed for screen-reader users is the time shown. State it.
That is 4:36
